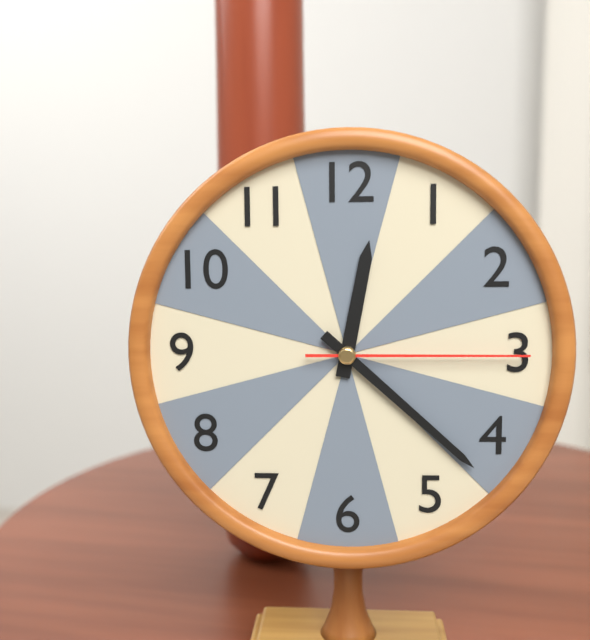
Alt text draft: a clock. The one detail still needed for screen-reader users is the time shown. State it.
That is 12:22:15
